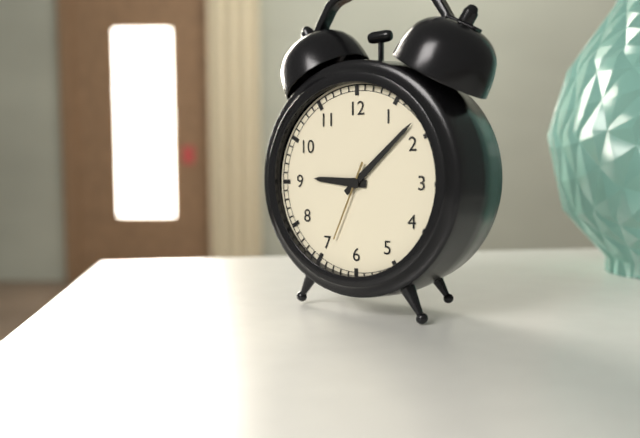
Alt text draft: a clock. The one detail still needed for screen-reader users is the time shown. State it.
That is 9:08:34
